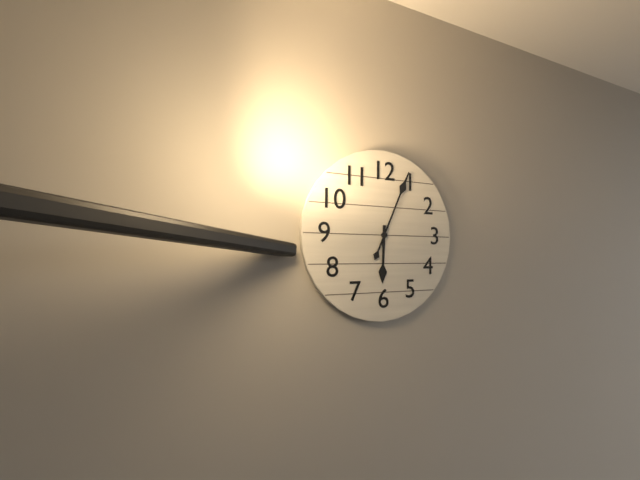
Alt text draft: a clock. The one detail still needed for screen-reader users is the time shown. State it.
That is 6:04
